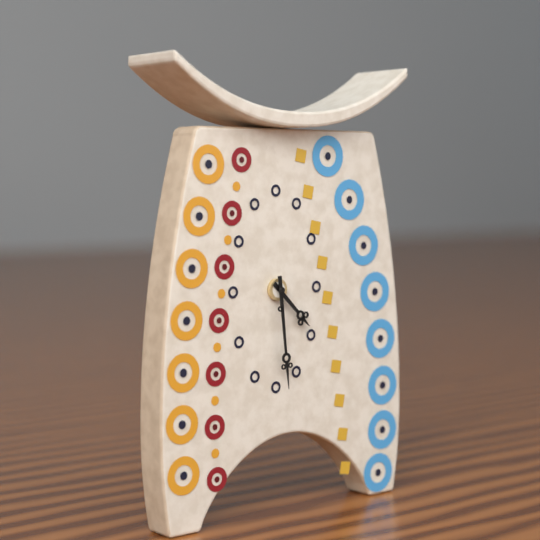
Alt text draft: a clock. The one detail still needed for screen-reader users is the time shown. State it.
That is 4:29
